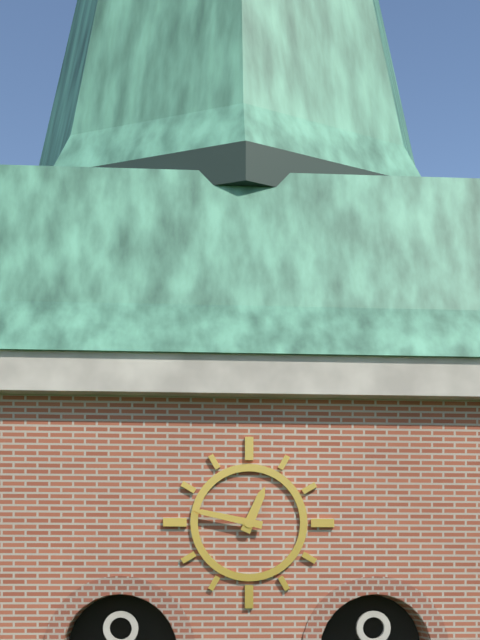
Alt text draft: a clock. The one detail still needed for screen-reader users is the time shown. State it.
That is 12:47
